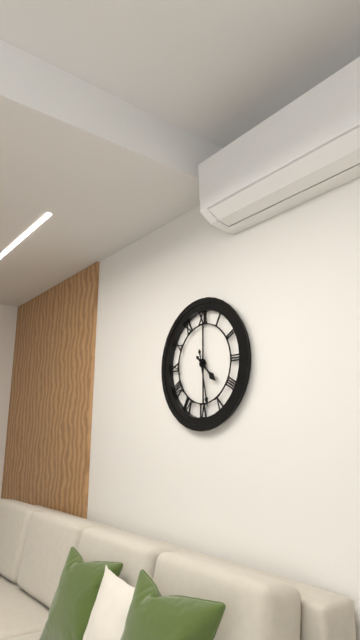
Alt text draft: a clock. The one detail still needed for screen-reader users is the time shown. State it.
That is 4:28
